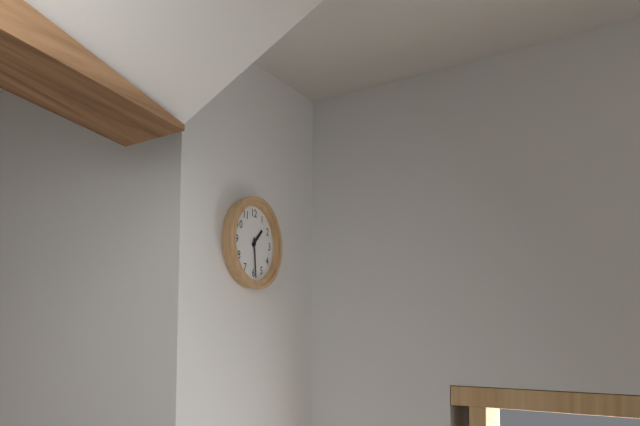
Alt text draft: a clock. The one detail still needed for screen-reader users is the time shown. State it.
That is 1:29
